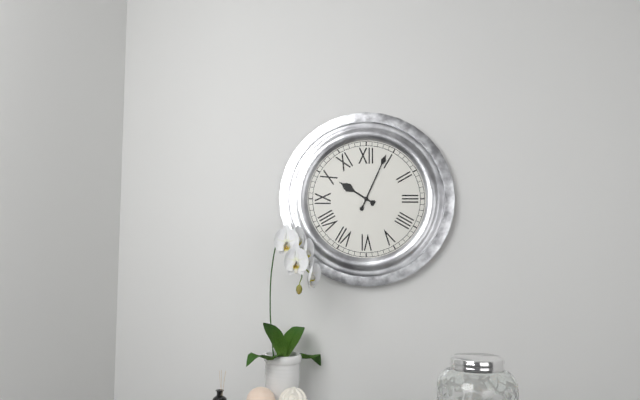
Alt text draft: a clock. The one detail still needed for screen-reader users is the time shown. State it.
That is 10:04
